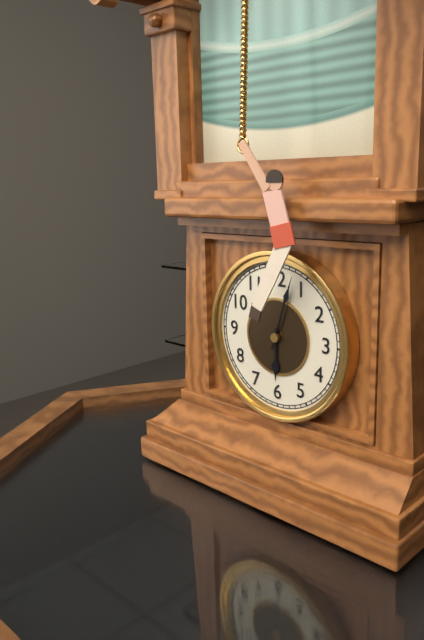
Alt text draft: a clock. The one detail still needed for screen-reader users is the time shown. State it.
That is 6:03
